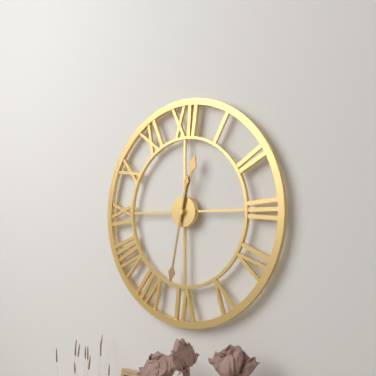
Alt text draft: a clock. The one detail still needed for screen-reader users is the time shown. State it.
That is 12:32
